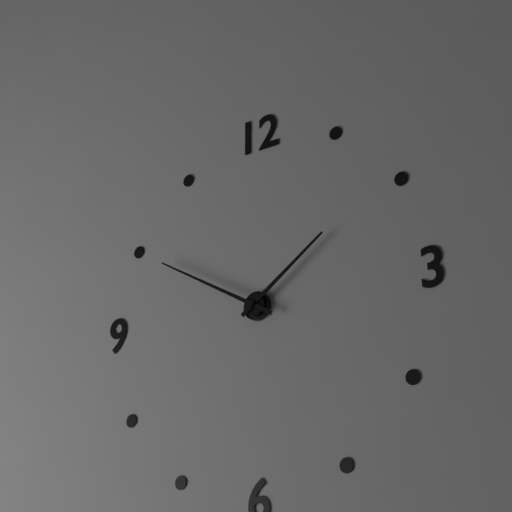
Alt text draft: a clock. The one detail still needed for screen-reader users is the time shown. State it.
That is 1:50
